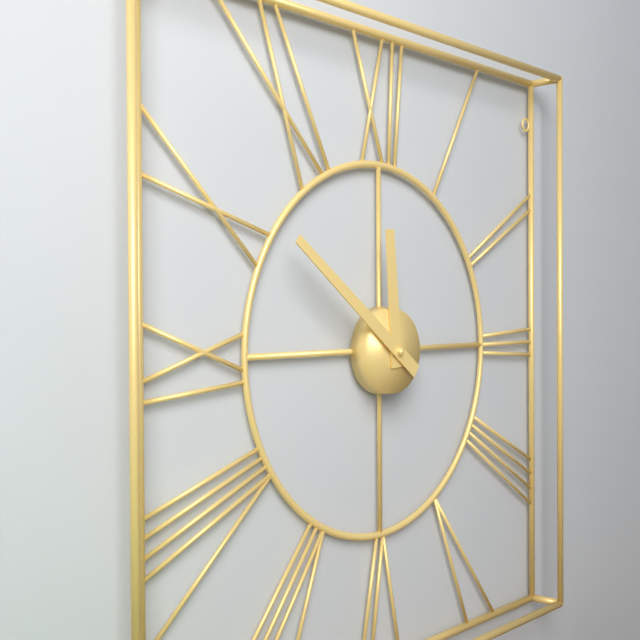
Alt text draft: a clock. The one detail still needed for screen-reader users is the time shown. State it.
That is 11:51
